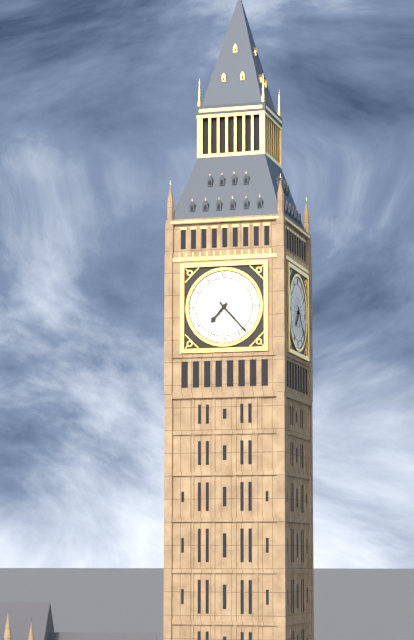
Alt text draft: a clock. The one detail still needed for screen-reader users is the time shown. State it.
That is 7:23
